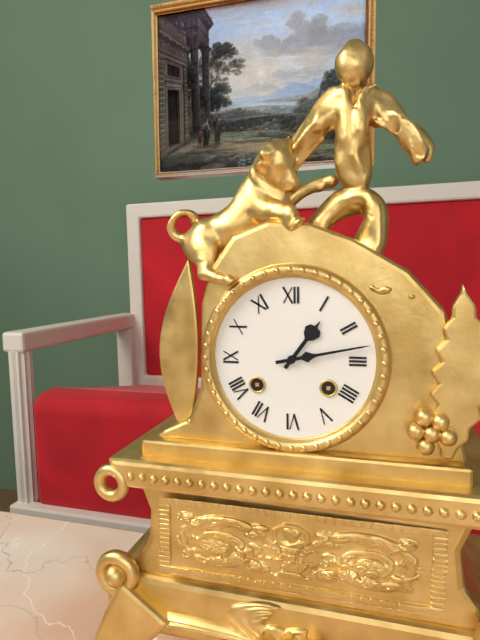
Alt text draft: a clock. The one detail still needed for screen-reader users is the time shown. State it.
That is 1:13
